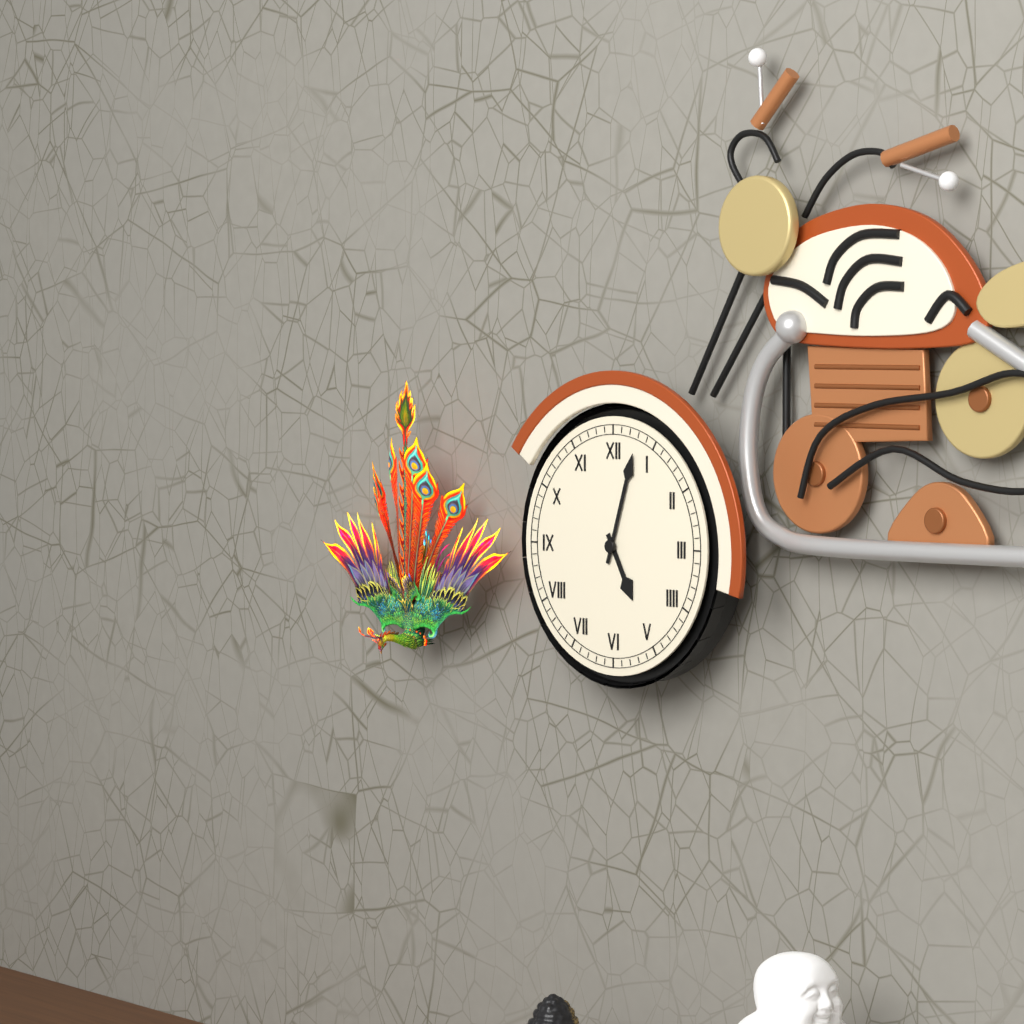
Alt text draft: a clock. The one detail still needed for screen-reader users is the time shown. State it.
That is 5:03
